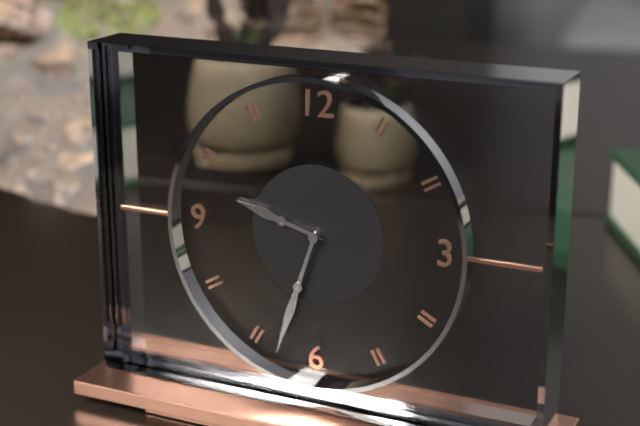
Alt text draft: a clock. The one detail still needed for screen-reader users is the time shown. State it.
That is 9:33
